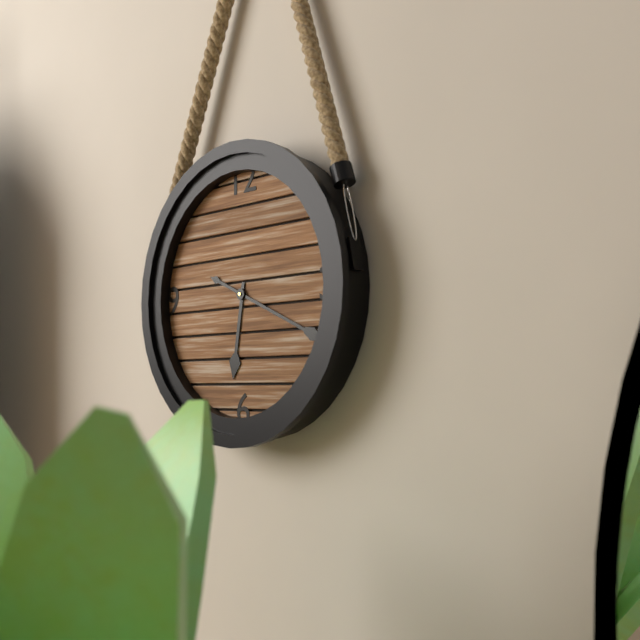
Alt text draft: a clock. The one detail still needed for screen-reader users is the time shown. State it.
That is 6:19
